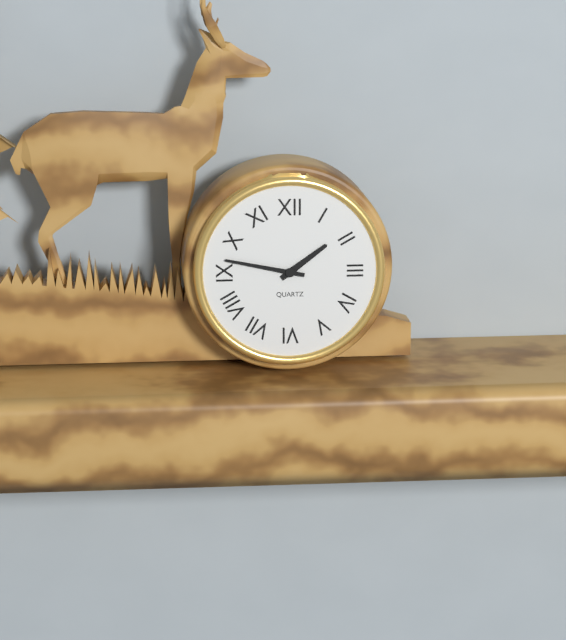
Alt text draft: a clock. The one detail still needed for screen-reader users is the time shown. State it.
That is 1:47
